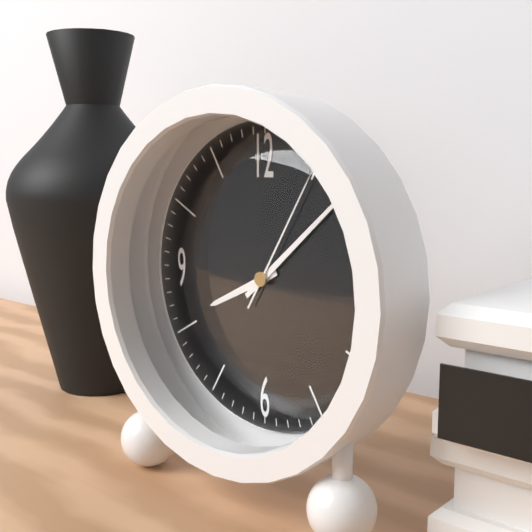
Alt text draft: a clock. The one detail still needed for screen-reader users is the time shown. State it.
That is 8:08:05
